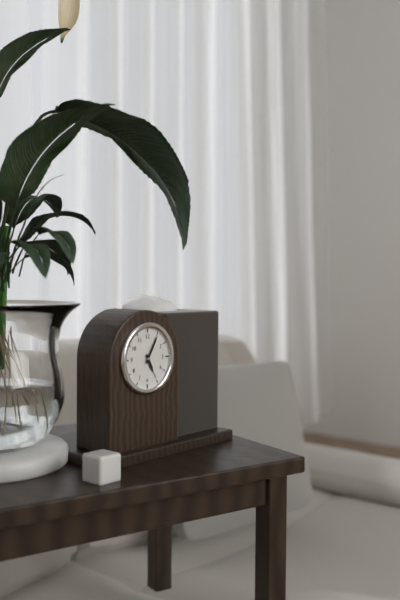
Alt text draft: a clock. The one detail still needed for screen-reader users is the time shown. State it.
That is 5:05
